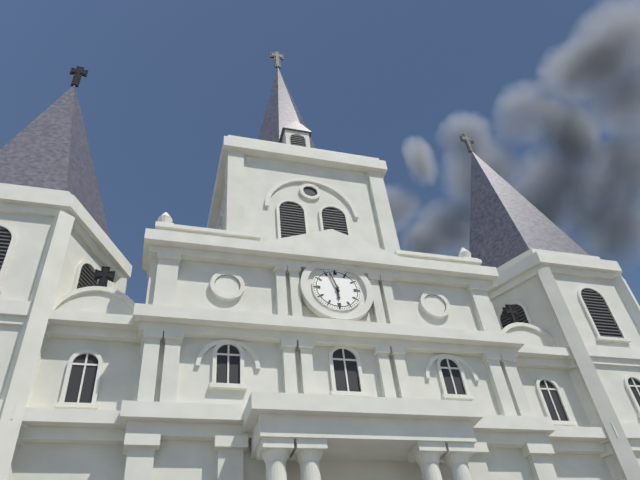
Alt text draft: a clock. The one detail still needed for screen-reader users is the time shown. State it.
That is 5:57
